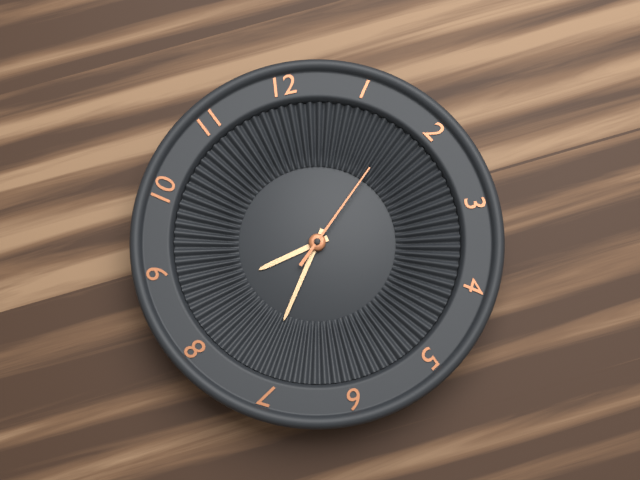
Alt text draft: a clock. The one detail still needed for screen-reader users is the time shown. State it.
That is 8:36:08
